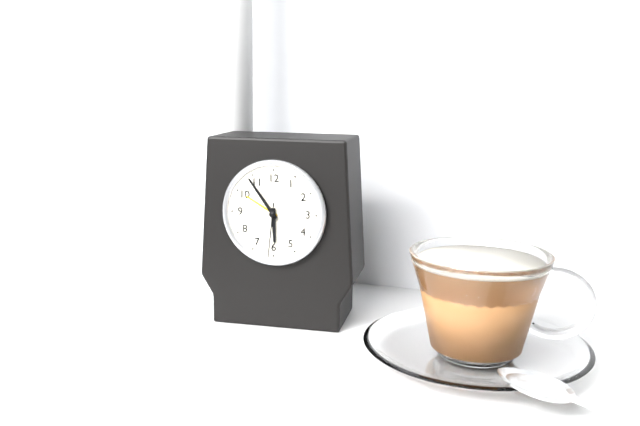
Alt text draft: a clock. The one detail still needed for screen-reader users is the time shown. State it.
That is 5:54:31
